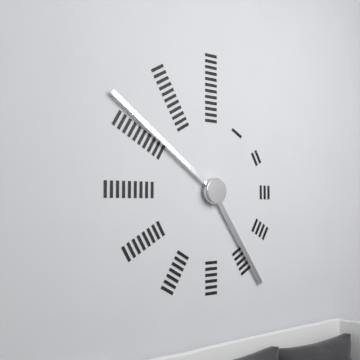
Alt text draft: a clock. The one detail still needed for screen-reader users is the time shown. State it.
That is 4:51
